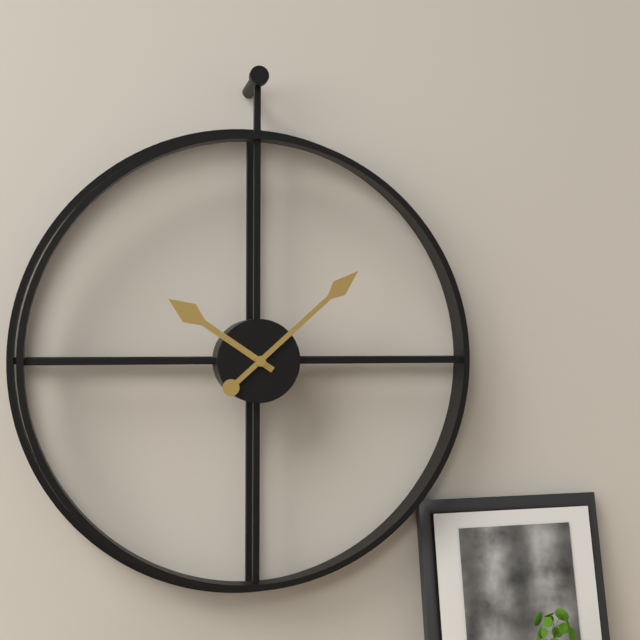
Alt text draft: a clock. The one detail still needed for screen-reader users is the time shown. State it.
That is 10:08
